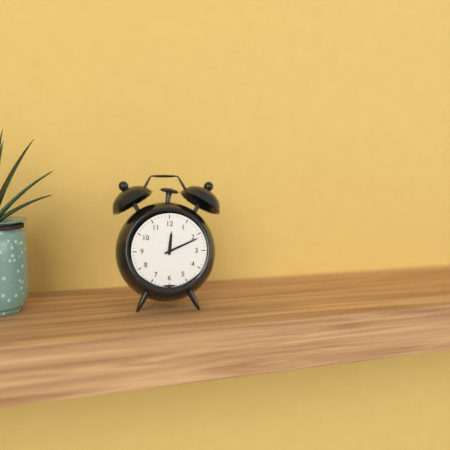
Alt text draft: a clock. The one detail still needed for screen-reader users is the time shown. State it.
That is 12:11
